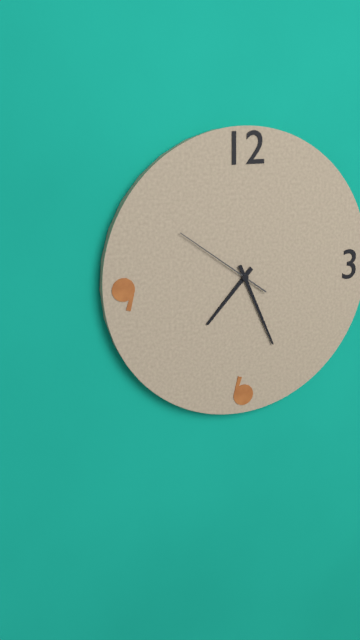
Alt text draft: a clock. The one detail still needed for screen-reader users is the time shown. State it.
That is 7:26:51
